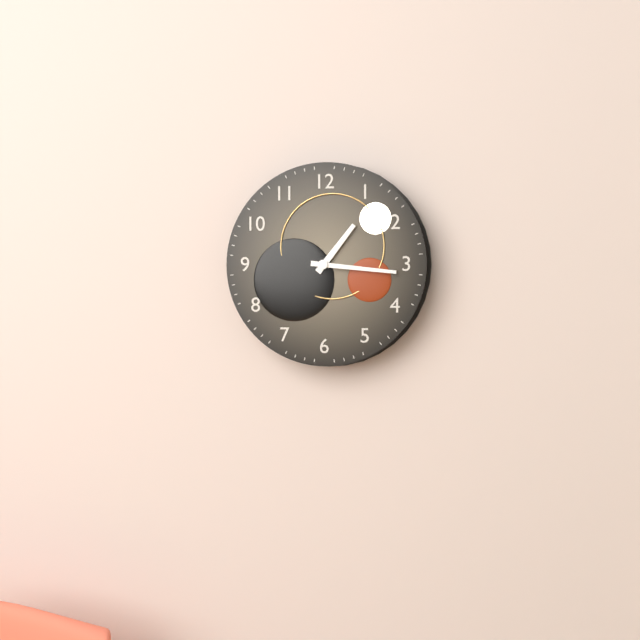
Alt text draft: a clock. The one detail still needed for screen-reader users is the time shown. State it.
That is 1:16
